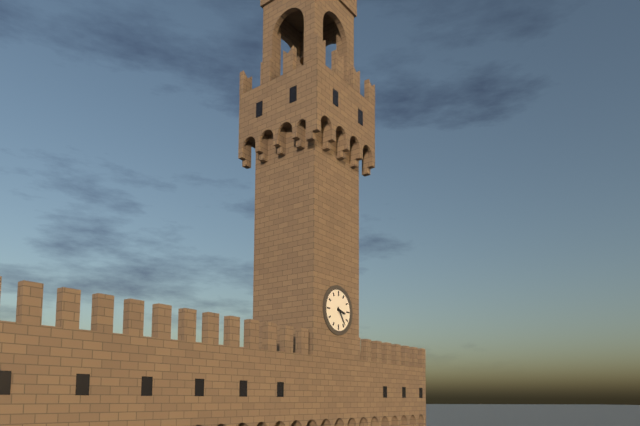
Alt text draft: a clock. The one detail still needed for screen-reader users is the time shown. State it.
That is 3:24
